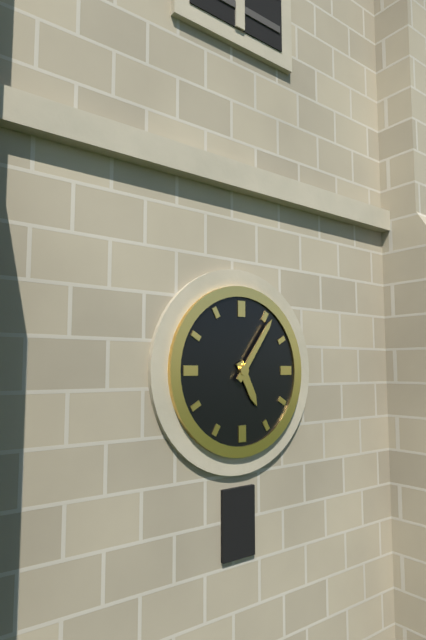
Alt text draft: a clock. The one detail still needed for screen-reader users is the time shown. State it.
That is 5:06
